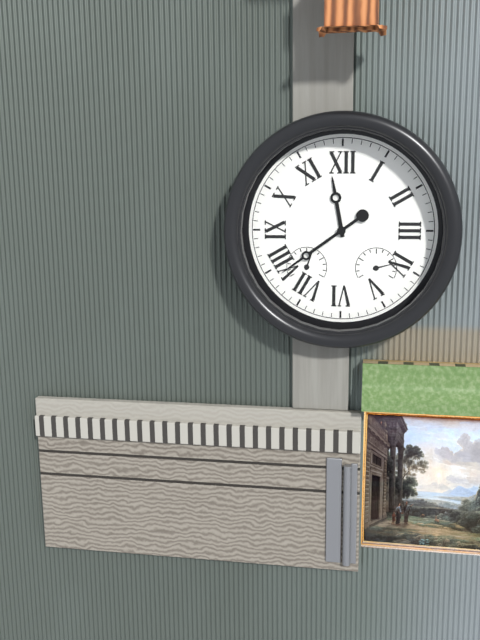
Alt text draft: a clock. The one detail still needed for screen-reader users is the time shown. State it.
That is 11:39
